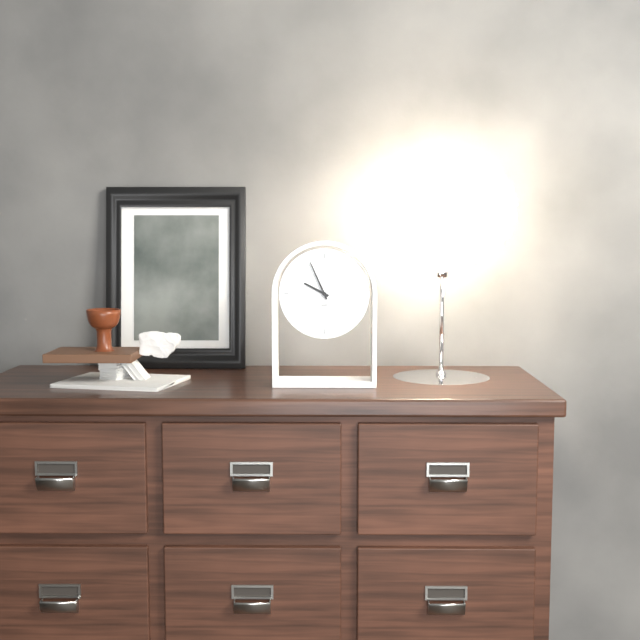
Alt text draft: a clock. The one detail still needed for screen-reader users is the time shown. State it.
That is 9:56
